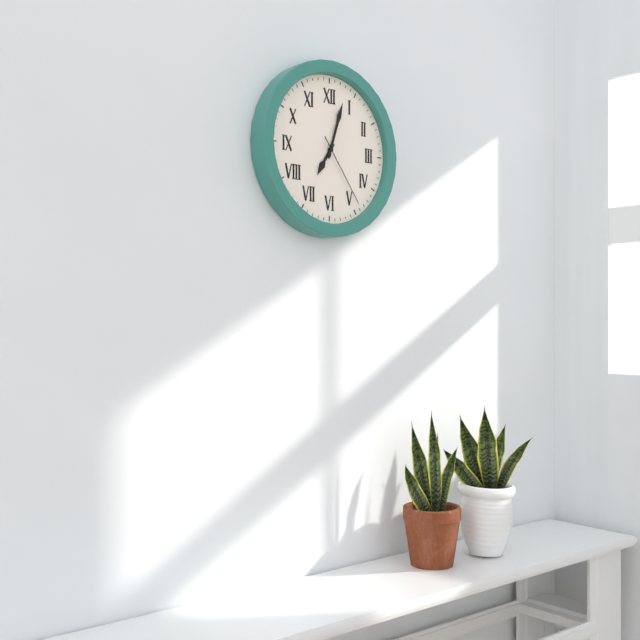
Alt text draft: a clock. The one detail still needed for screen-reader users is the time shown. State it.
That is 7:03:24
